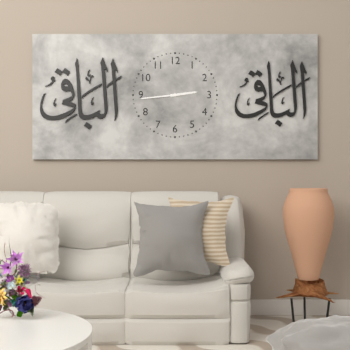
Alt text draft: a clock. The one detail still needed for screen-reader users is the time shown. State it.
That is 2:44
